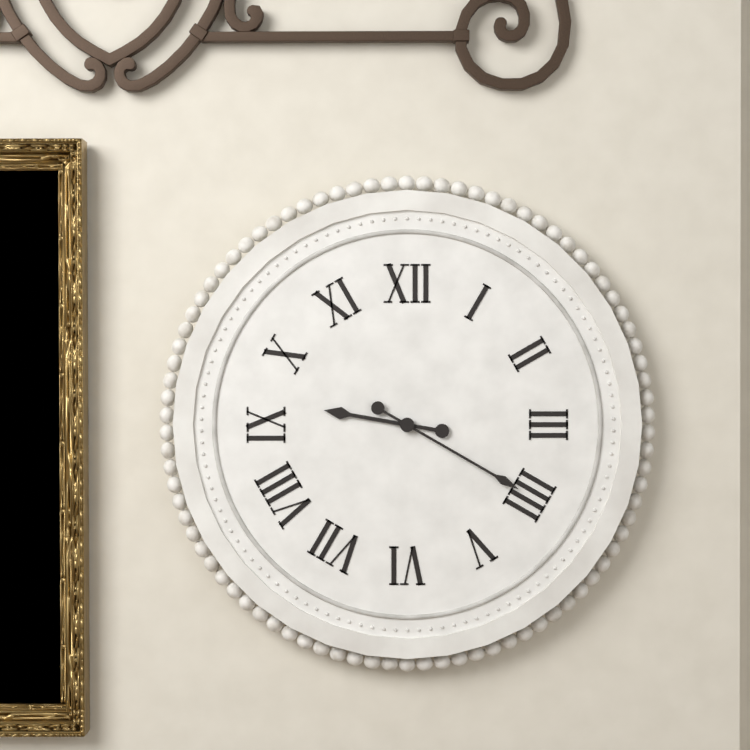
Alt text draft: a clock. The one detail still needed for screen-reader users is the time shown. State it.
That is 9:20
